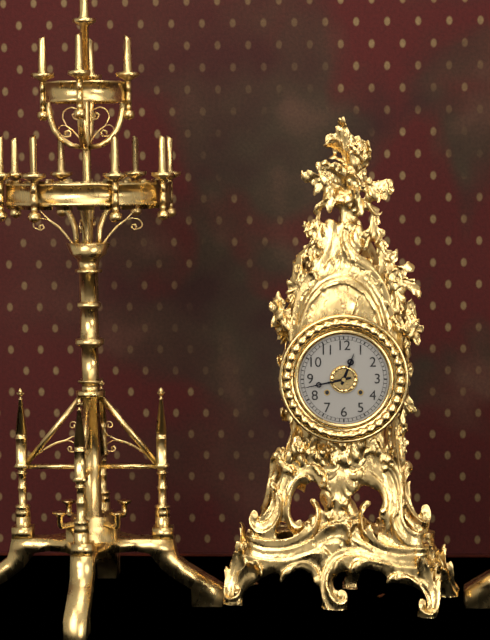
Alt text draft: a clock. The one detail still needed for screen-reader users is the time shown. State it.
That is 12:43
